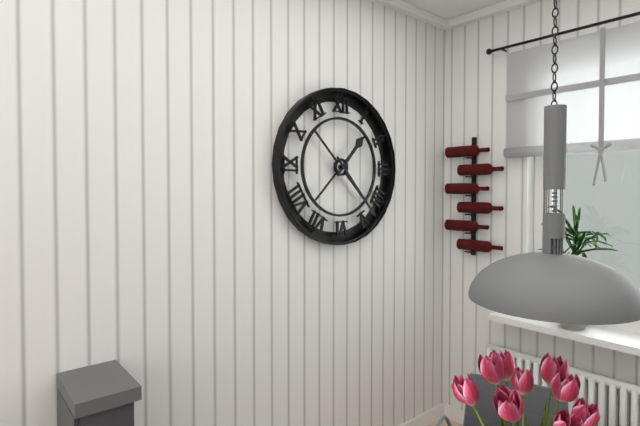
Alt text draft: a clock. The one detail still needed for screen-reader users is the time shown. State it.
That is 1:23
